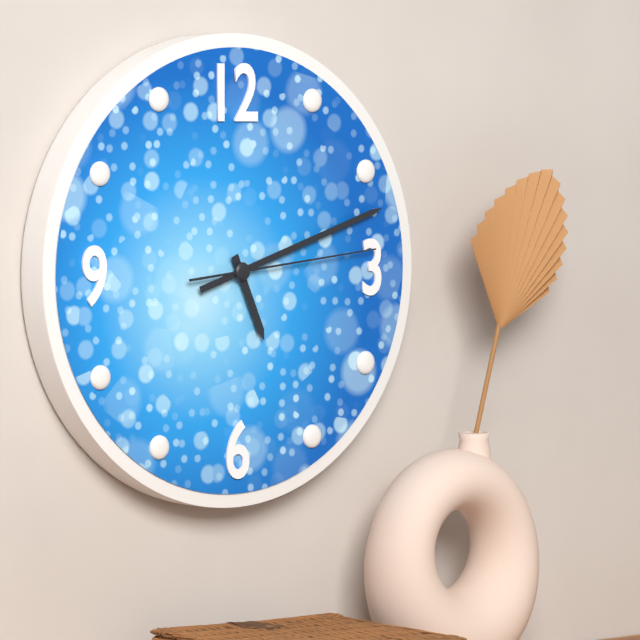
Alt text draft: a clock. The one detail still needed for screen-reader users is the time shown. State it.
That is 5:12:14
